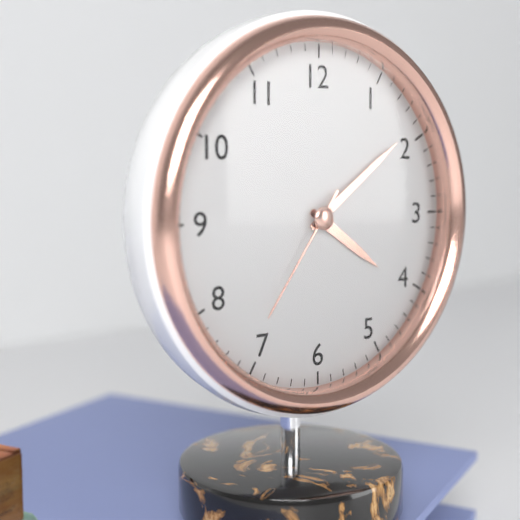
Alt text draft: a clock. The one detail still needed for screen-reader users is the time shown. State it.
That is 4:09:36
